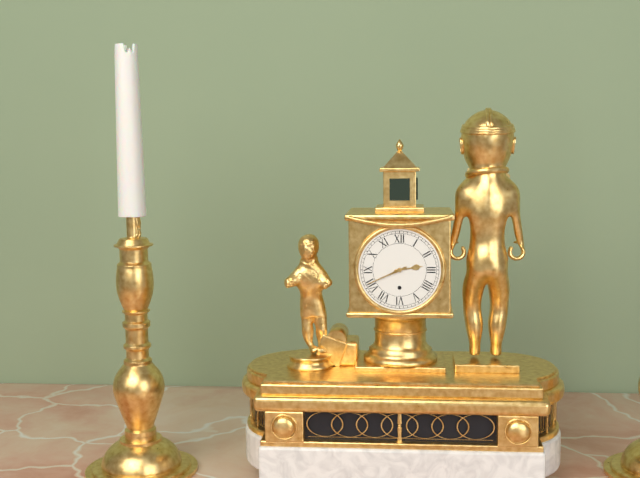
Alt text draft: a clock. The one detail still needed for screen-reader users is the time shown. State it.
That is 2:41
